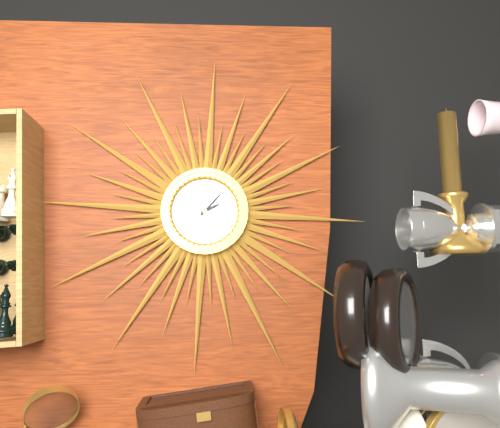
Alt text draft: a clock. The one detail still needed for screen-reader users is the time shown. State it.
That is 2:07
